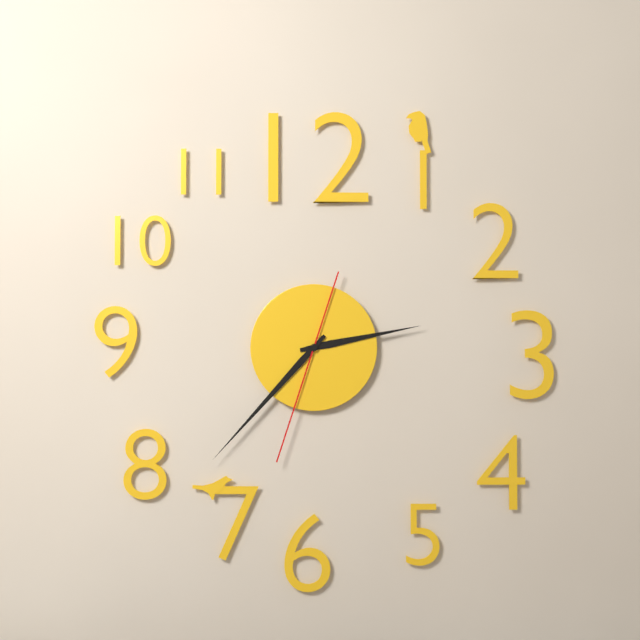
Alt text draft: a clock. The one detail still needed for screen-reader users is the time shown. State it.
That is 2:37:33
